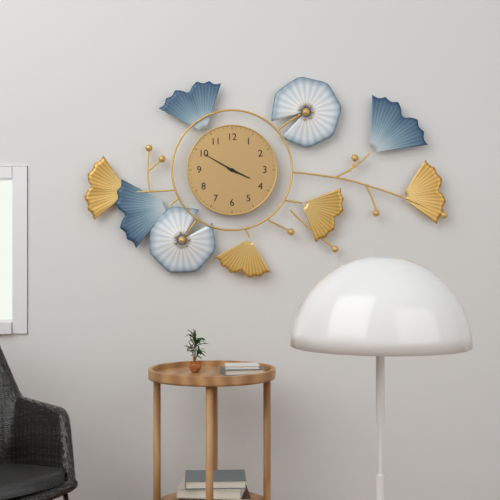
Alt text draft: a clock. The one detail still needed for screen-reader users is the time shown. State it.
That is 3:50
